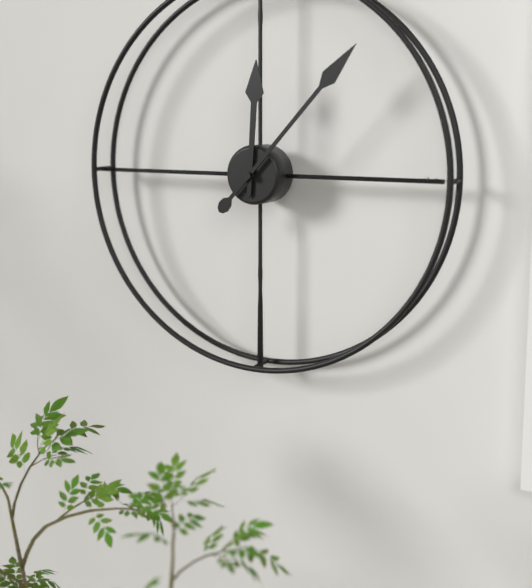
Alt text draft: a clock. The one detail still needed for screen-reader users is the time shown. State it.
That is 12:07
